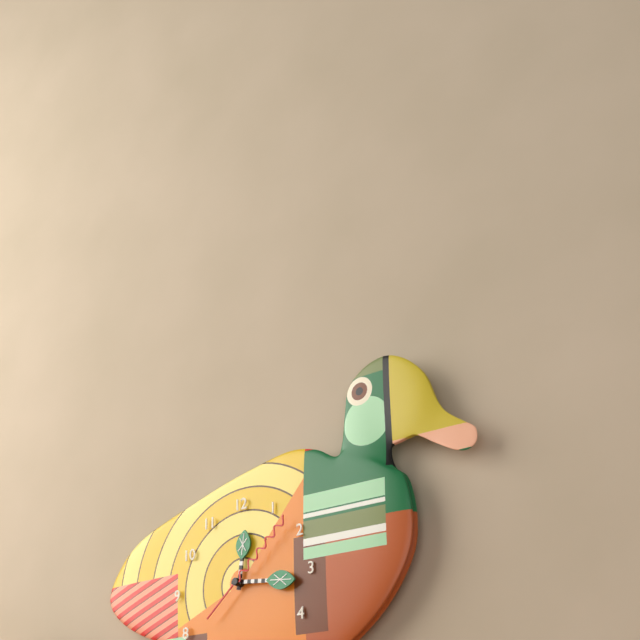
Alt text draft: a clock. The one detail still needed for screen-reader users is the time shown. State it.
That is 12:16:08
